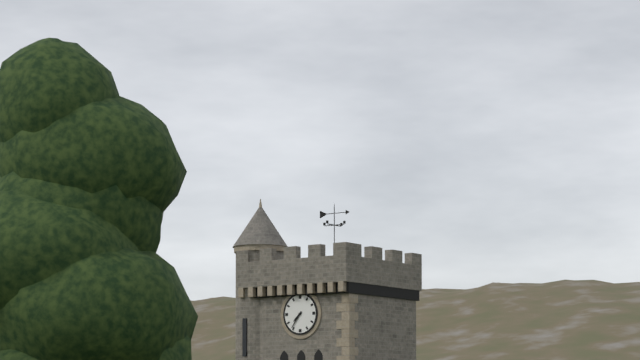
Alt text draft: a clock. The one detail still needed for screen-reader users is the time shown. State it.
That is 7:36
